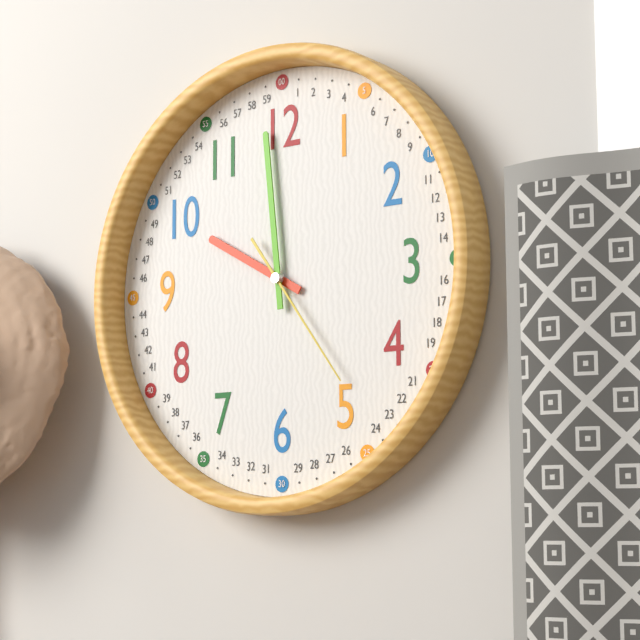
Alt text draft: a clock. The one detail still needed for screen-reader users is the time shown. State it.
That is 9:59:24
